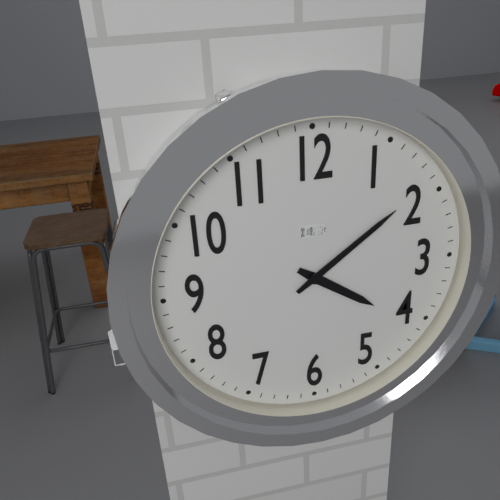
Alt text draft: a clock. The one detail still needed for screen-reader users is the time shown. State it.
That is 4:09
